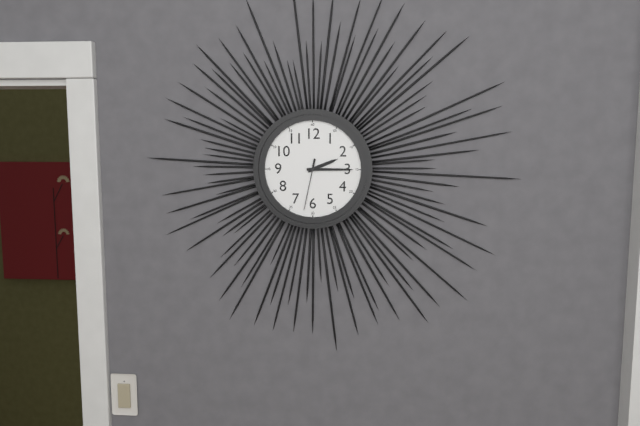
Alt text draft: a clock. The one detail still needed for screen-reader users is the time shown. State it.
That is 2:15:32
